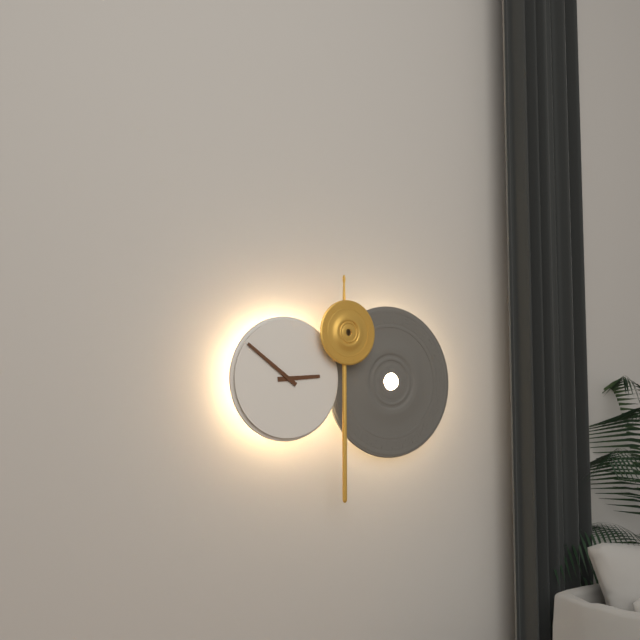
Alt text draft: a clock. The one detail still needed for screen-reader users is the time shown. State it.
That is 2:51
